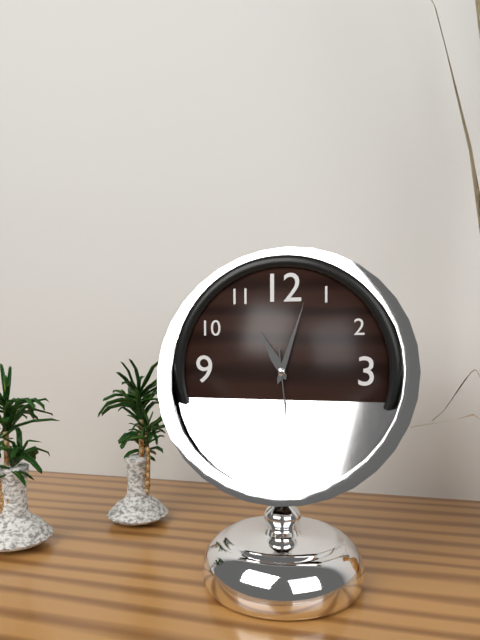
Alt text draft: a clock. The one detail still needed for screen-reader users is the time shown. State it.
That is 11:03
